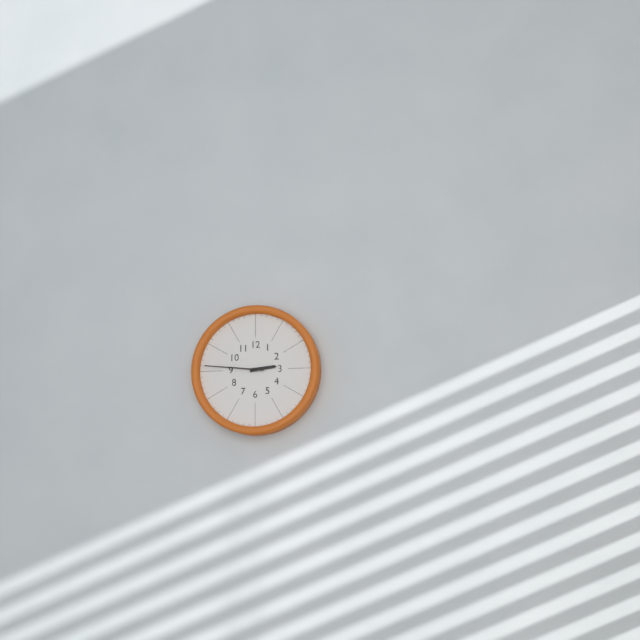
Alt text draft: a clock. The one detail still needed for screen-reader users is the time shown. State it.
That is 2:46
